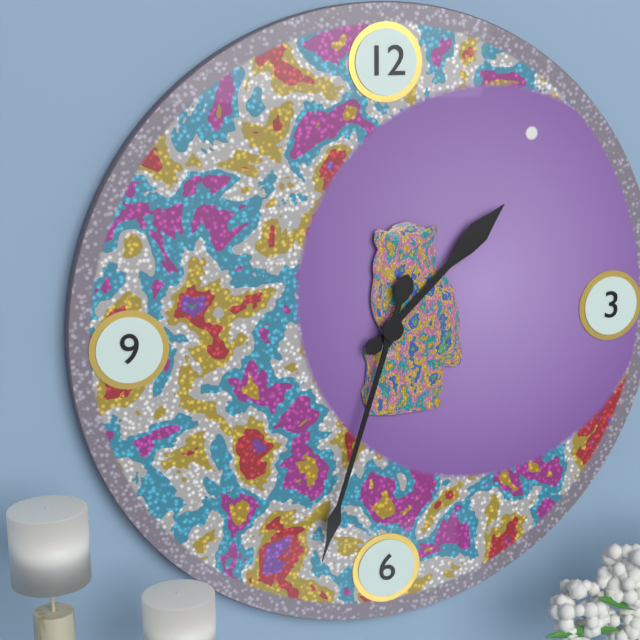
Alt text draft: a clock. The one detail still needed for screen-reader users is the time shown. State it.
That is 1:33
